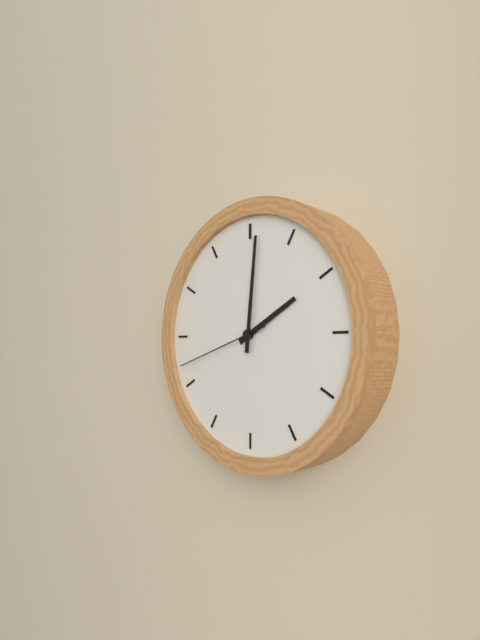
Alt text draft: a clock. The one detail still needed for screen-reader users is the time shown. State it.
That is 2:01:42
